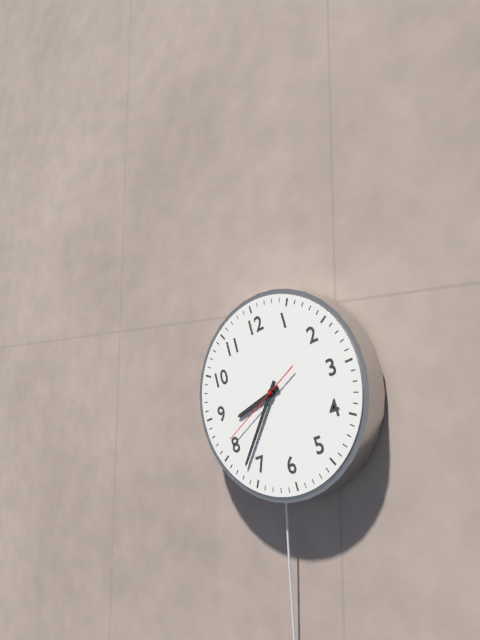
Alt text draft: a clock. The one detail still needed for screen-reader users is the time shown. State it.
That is 8:37:41
